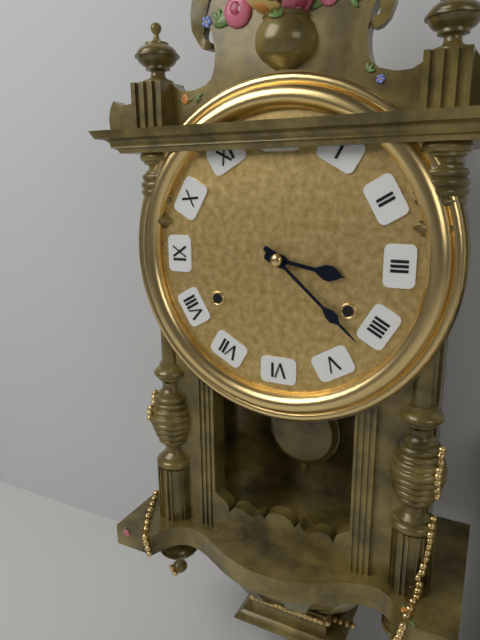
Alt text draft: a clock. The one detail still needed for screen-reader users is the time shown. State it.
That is 3:22
